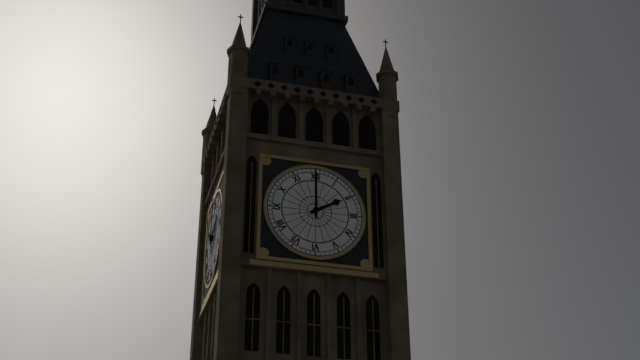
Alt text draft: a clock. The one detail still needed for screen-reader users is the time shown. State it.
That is 2:00
